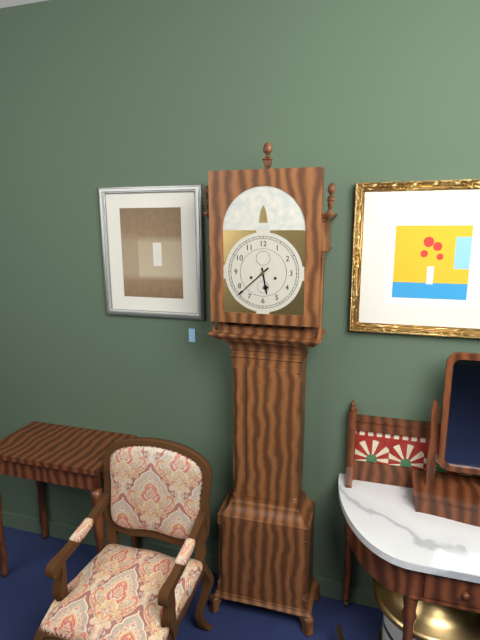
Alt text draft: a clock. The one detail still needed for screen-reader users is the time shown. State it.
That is 5:38
